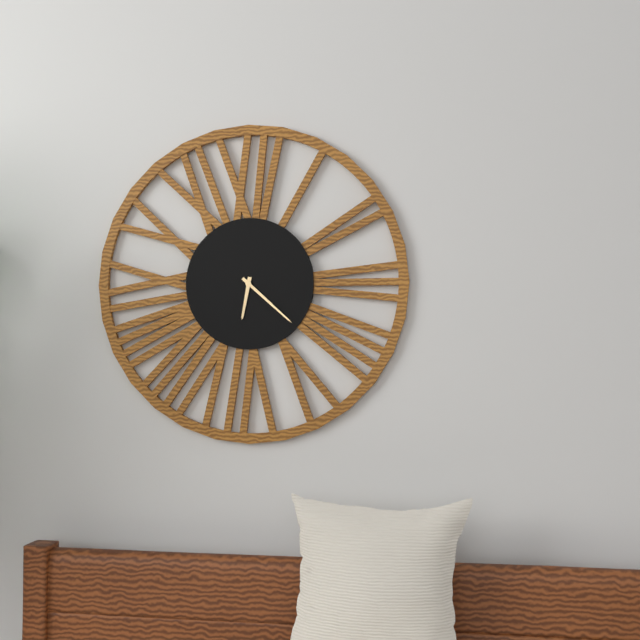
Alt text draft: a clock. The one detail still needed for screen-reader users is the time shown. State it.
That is 6:22
